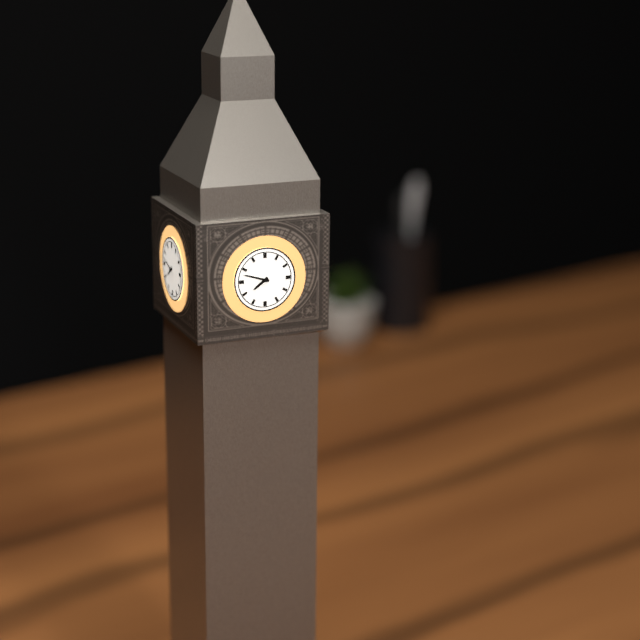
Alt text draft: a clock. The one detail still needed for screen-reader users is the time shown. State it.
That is 7:48
